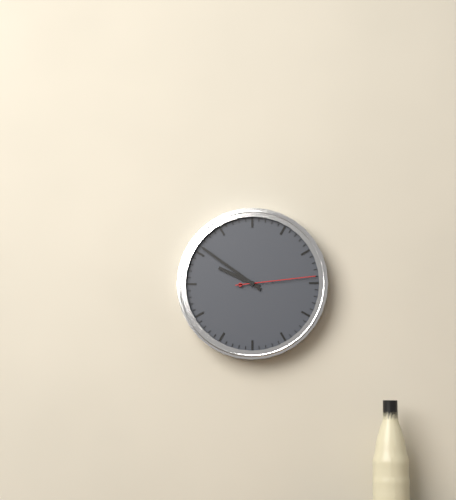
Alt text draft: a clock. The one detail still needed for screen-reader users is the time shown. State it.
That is 9:51:14
